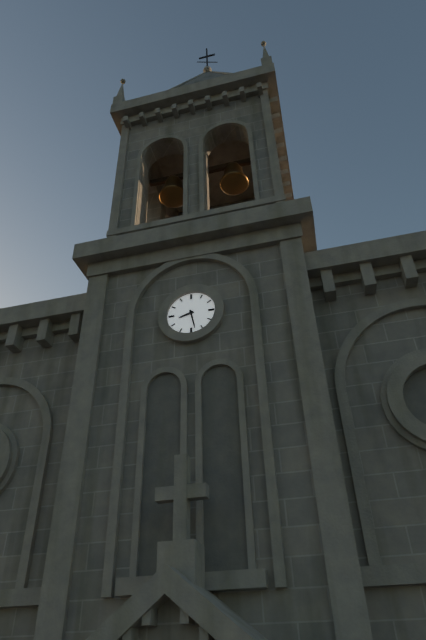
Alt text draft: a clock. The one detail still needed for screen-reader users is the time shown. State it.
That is 8:28
